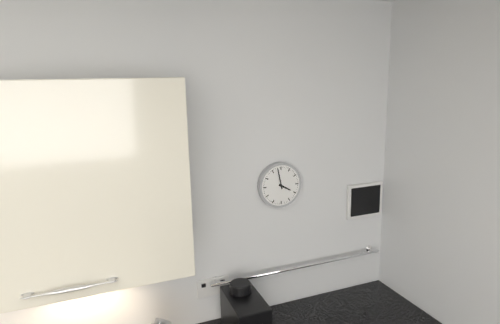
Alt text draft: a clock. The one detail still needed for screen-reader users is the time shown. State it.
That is 3:58
